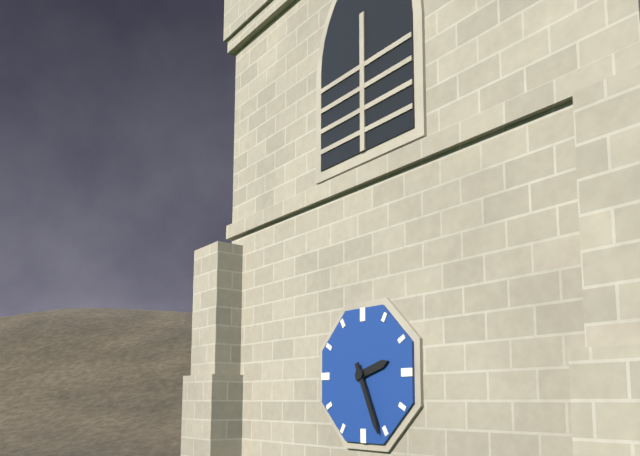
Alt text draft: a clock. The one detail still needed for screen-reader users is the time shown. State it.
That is 2:26
